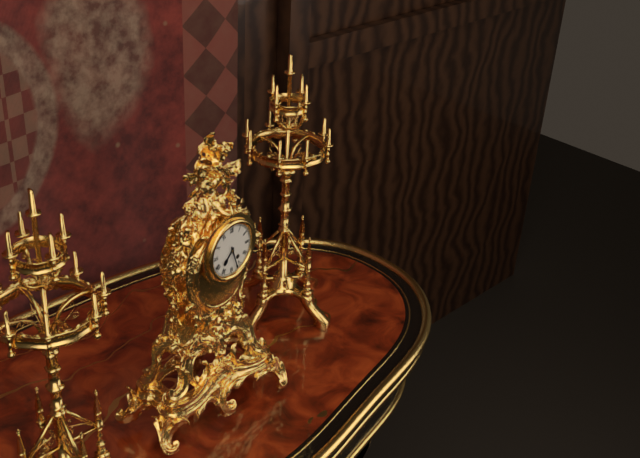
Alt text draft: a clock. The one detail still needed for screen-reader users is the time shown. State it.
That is 7:27
